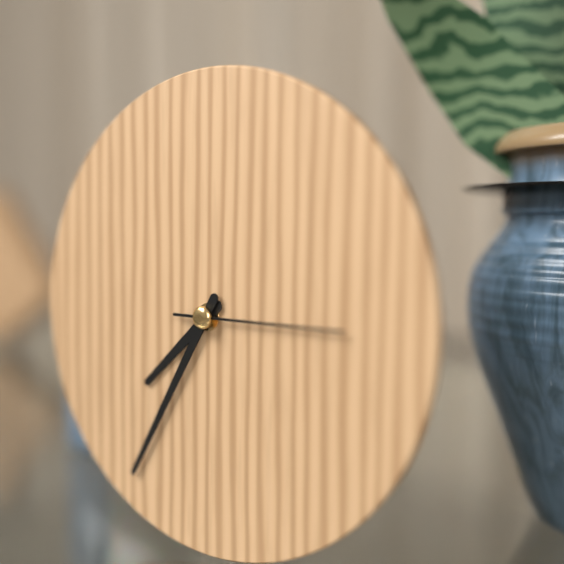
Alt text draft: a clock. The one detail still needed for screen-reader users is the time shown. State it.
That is 7:35:15
